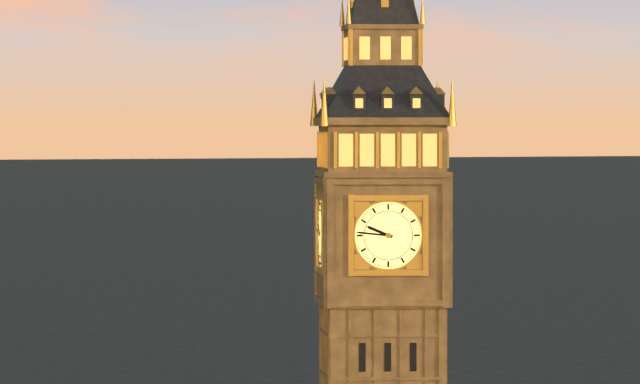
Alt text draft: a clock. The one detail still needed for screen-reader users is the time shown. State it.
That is 9:46
